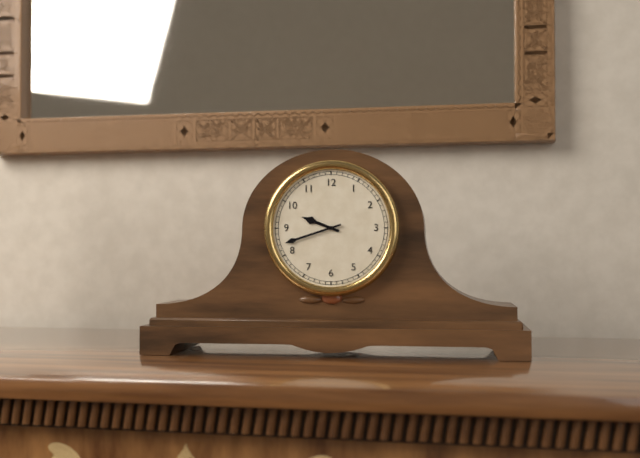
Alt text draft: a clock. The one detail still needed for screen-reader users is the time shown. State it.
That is 9:42
